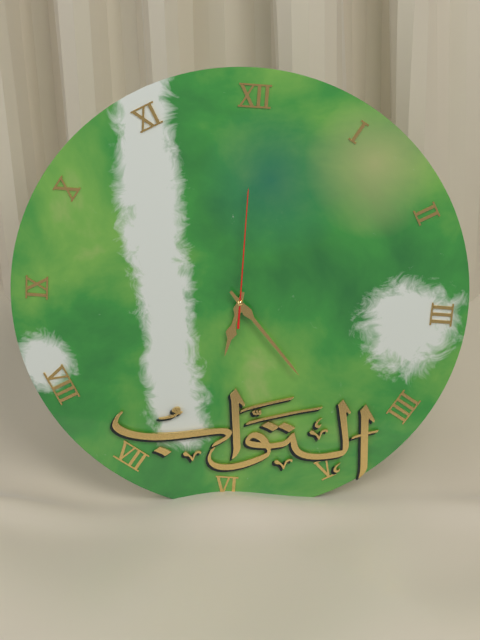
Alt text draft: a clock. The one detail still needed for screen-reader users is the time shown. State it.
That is 6:23:00
